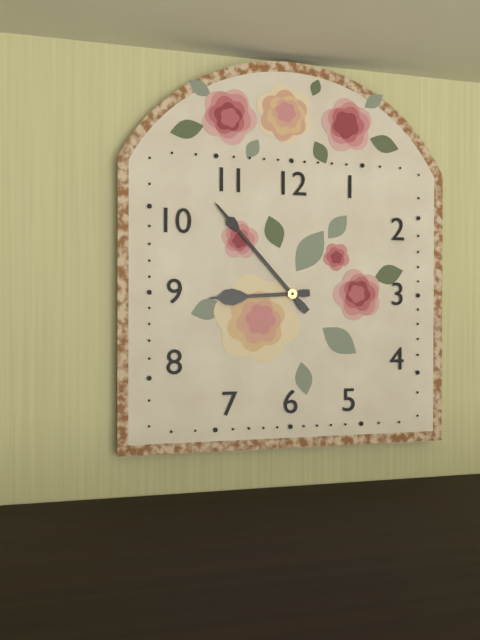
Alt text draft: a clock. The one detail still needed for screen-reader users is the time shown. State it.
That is 8:53
